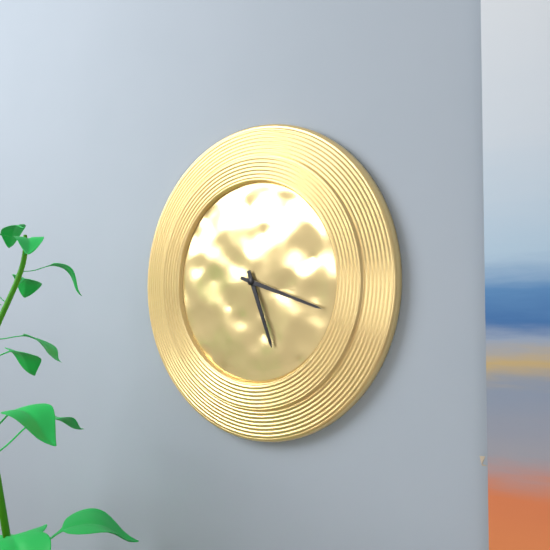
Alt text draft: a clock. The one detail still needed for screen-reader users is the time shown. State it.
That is 5:18
